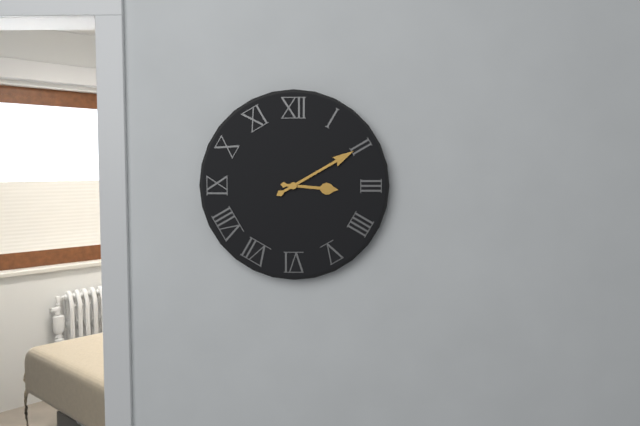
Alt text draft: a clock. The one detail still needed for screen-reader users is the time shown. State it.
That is 3:10
